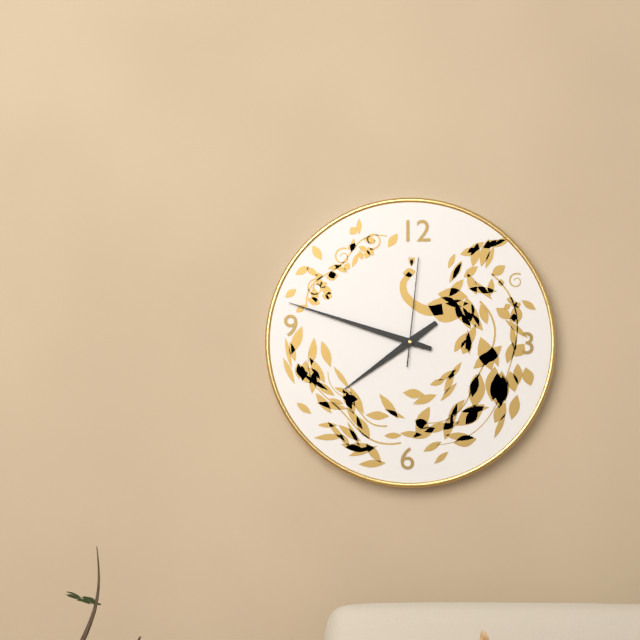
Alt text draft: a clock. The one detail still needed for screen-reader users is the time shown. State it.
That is 7:48:01
